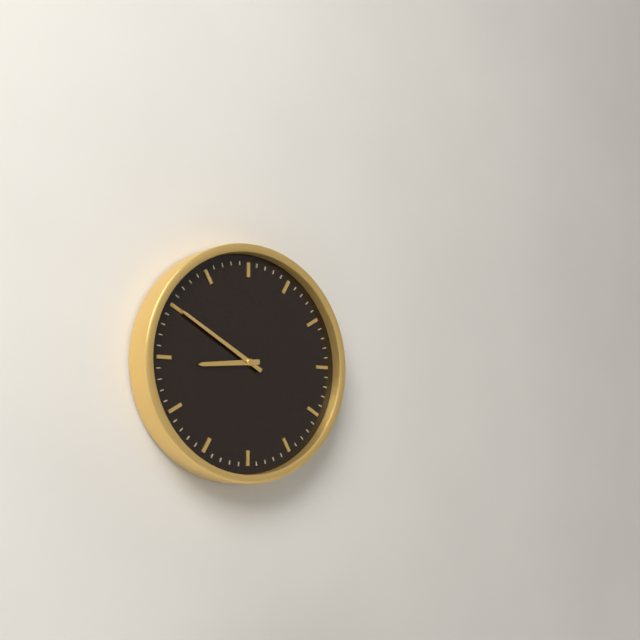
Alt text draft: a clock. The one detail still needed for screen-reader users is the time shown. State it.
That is 8:50
